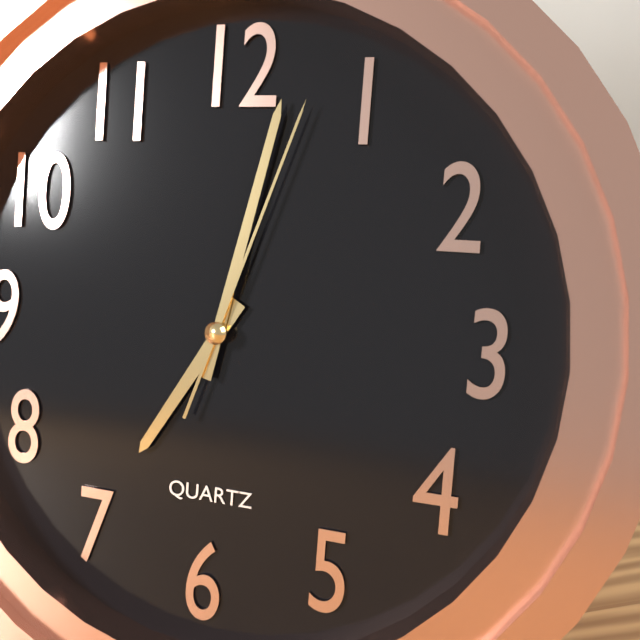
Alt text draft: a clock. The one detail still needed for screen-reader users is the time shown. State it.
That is 7:02:03
